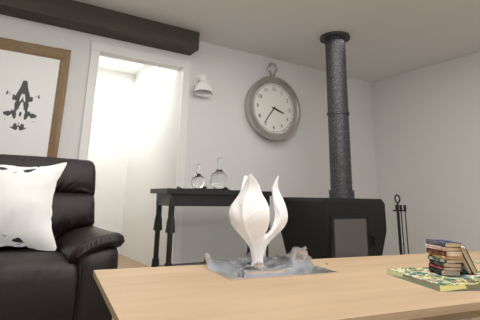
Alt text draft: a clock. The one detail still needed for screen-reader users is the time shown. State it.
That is 3:36
